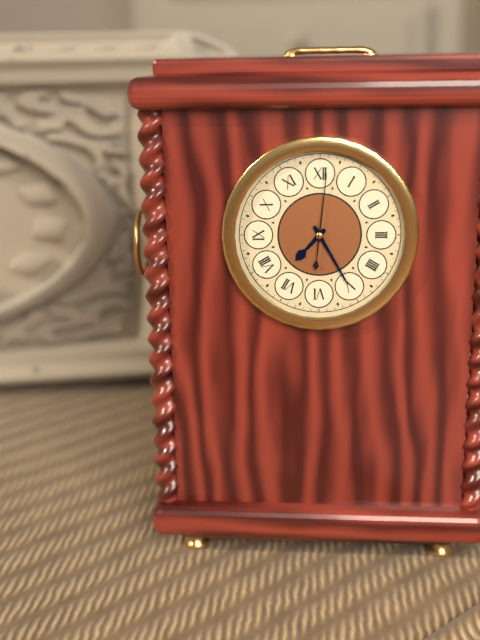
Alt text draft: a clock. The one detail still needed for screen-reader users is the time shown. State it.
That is 7:25:01
